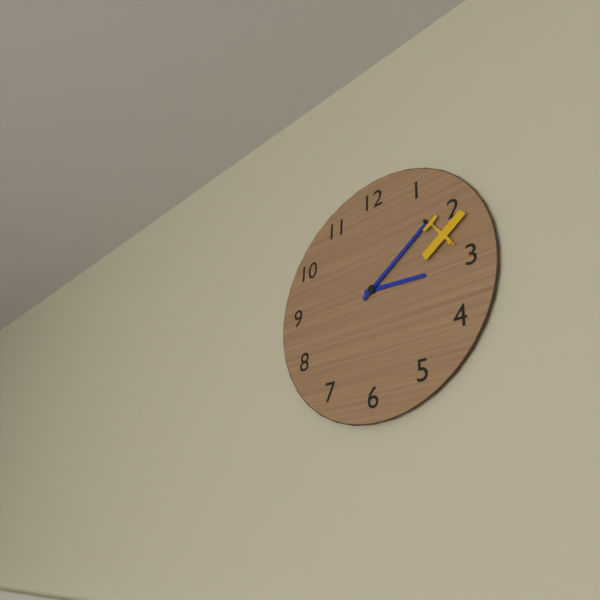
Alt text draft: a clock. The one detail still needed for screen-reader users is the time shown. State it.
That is 3:09
